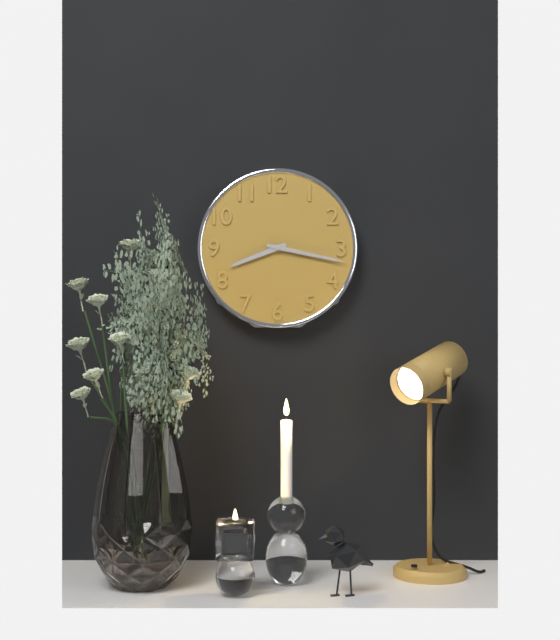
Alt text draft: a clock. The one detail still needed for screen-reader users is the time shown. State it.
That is 8:17
